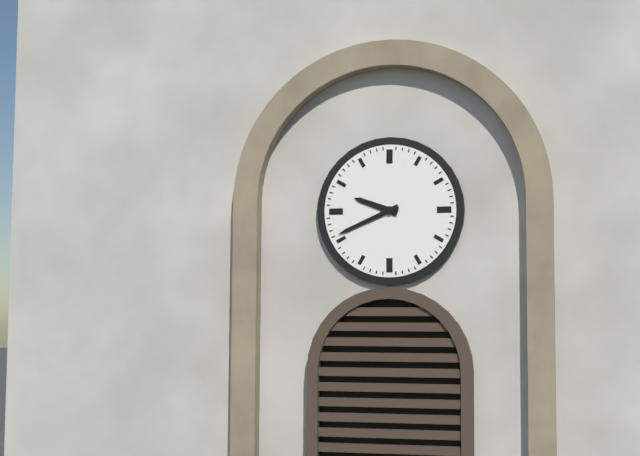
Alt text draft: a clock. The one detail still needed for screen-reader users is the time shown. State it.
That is 9:41
